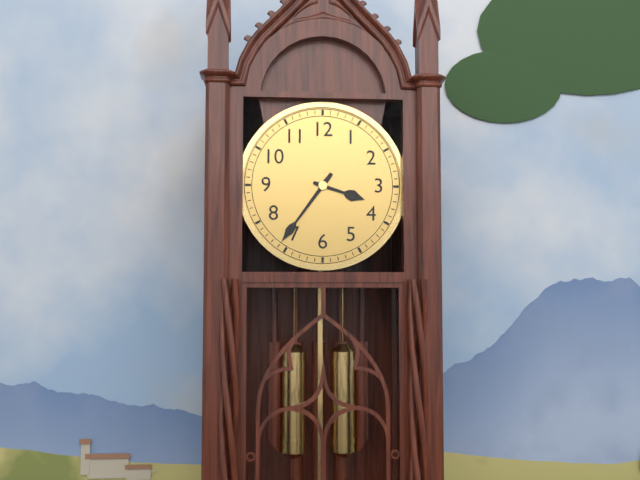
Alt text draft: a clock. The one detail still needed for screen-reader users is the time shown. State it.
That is 3:36
